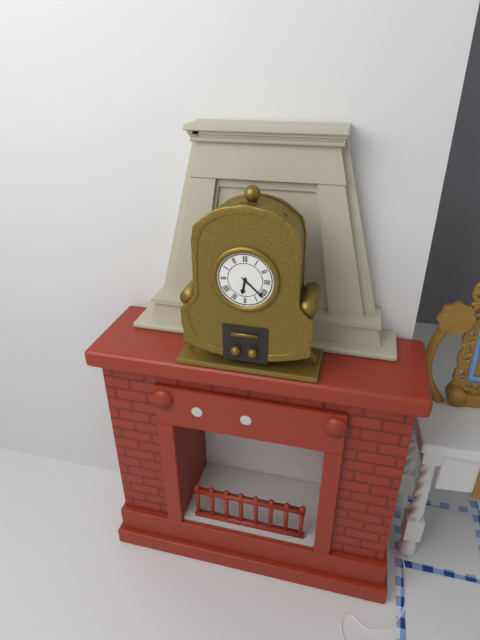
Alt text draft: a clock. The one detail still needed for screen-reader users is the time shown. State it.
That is 6:22
